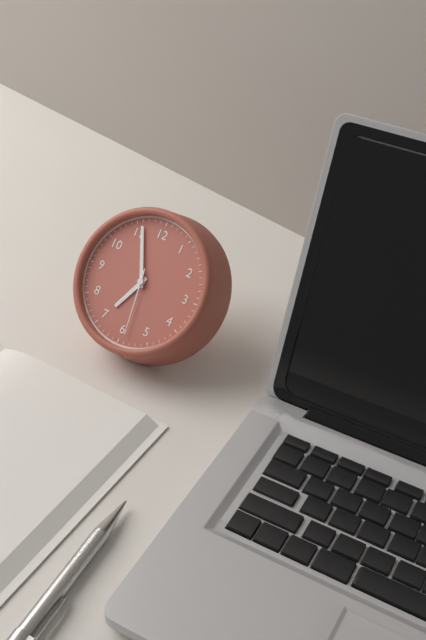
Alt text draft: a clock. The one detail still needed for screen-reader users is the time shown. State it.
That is 6:56:29
